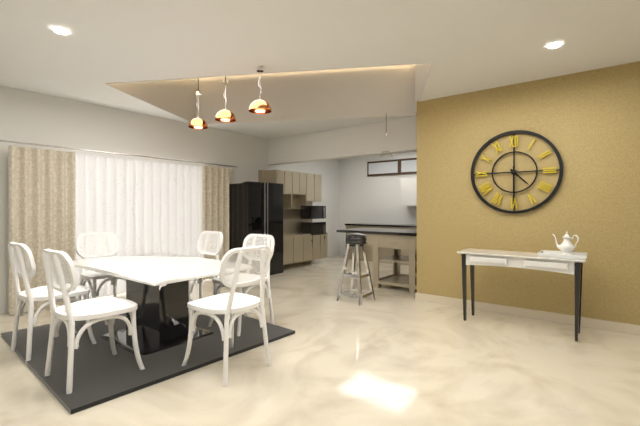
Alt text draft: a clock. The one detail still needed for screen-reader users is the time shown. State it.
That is 4:30
